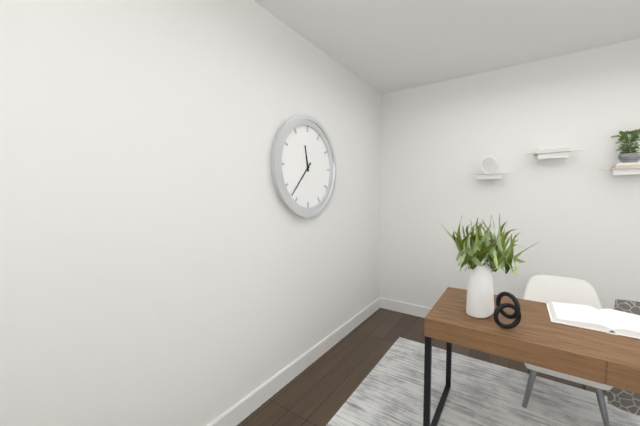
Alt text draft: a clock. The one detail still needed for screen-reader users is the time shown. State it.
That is 11:37
